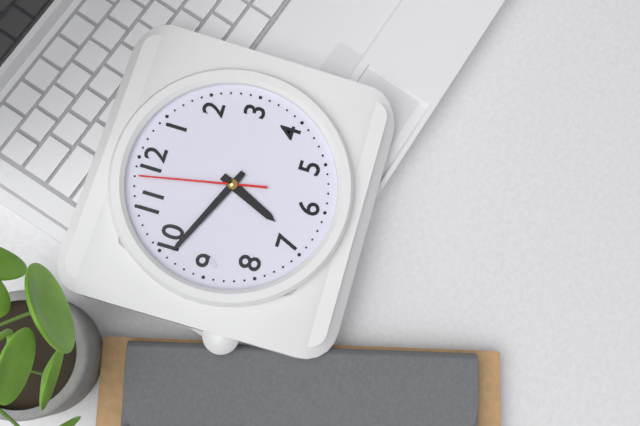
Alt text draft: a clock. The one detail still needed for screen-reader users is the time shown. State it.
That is 6:49:58
